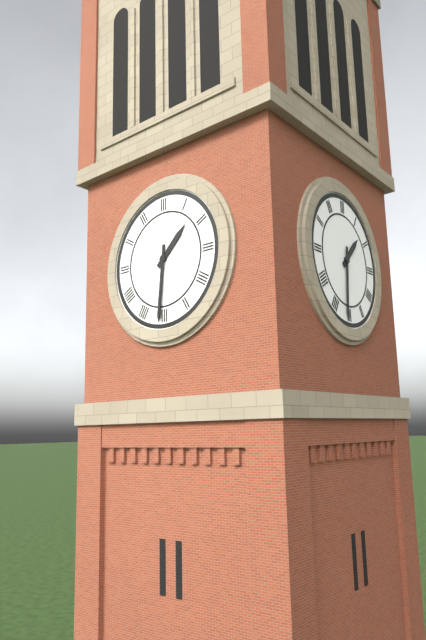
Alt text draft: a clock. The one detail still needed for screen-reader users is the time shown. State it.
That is 1:31
